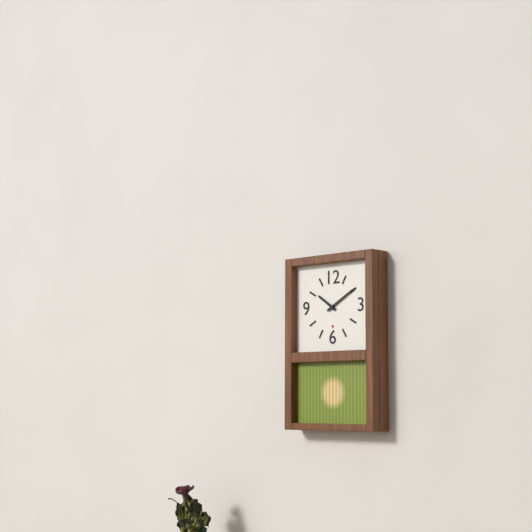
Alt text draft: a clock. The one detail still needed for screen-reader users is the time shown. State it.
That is 10:10
